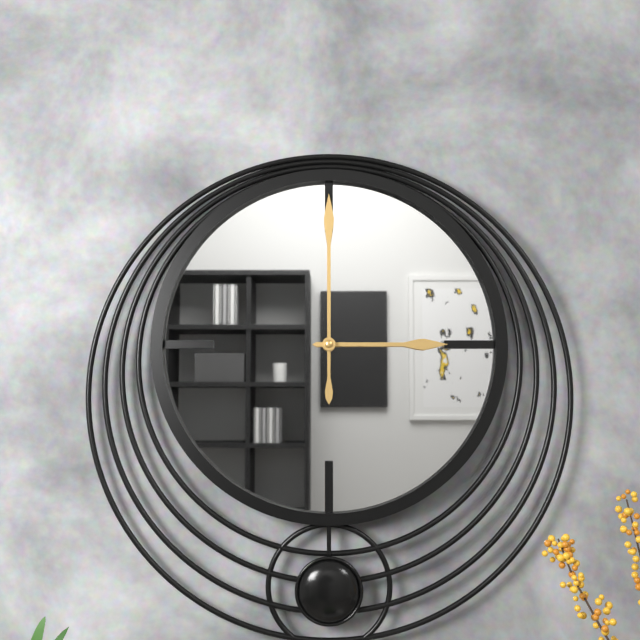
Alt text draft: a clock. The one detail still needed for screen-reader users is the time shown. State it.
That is 3:00
